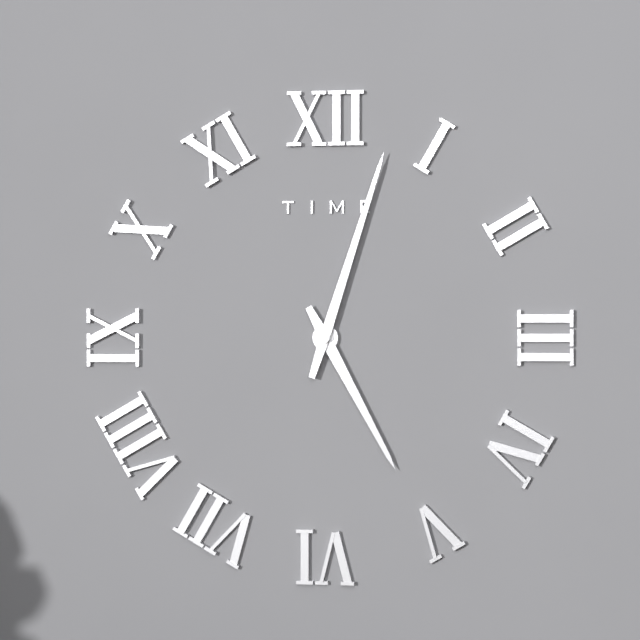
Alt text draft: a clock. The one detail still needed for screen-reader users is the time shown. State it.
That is 5:03
